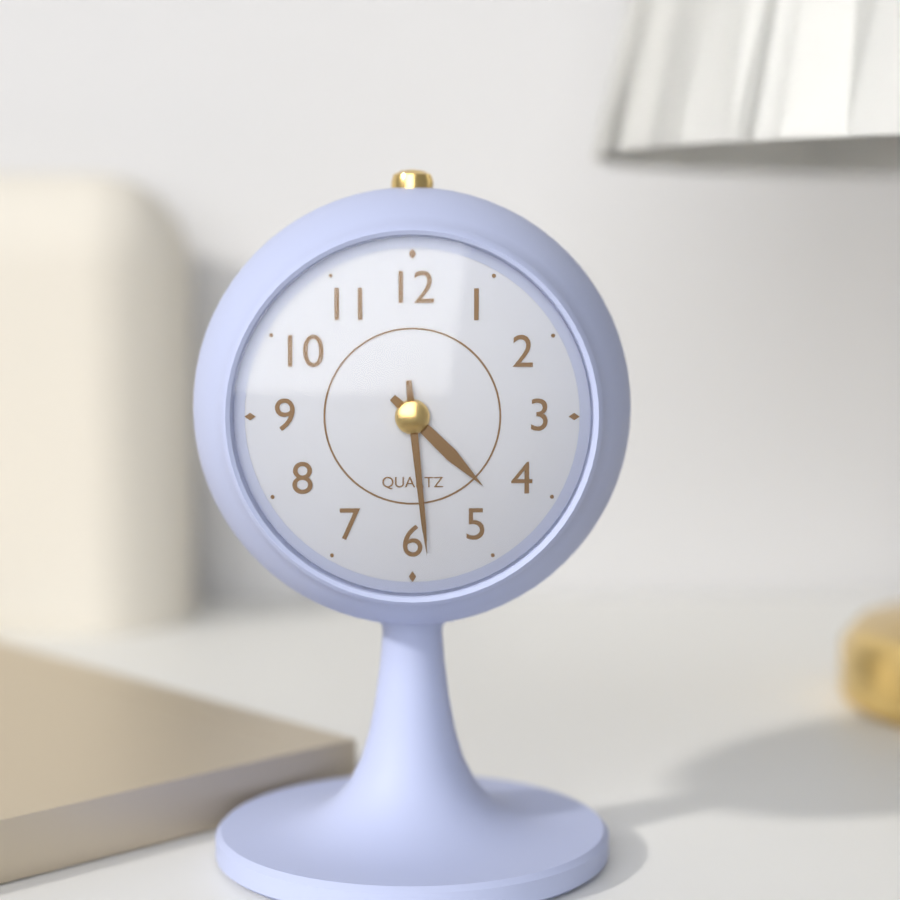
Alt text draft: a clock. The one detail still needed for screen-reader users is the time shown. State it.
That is 4:29
